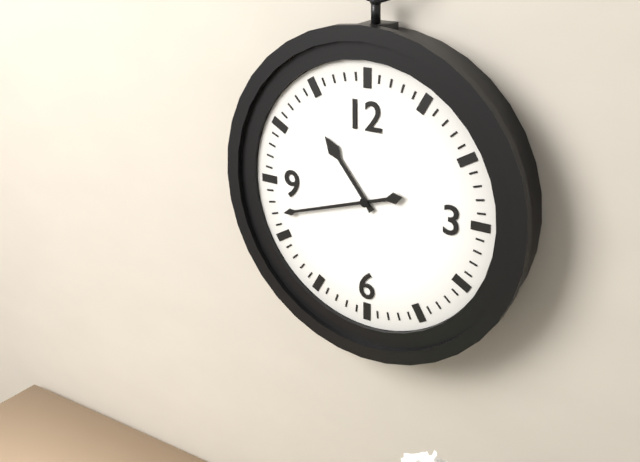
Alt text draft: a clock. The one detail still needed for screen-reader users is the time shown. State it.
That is 10:42
